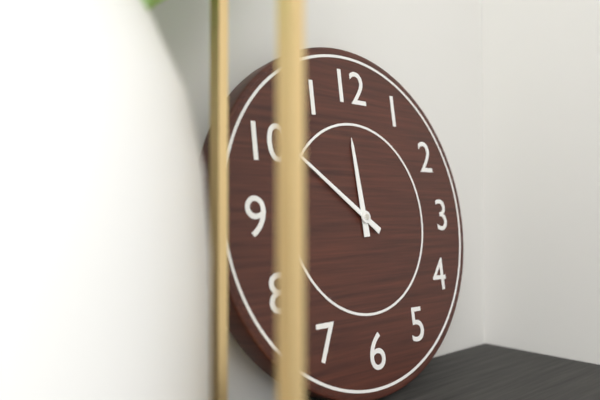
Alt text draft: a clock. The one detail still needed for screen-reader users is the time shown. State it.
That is 11:51
